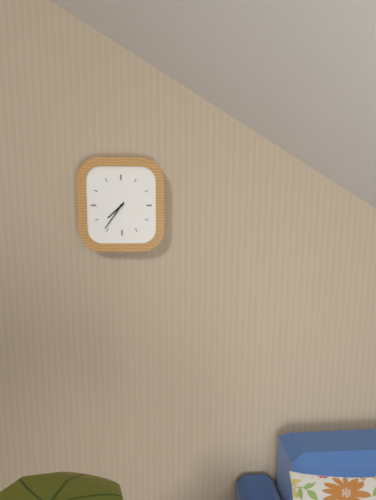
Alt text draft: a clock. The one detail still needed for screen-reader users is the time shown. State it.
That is 7:36
